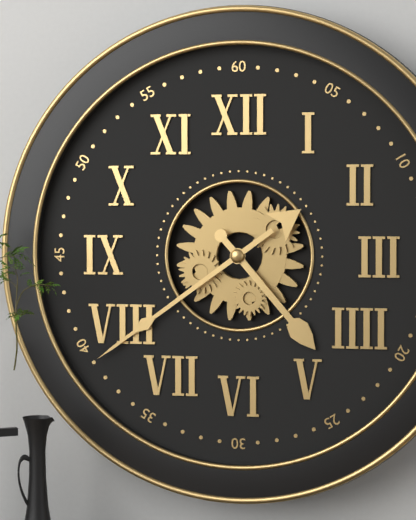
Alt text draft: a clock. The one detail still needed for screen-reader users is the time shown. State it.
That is 4:39
